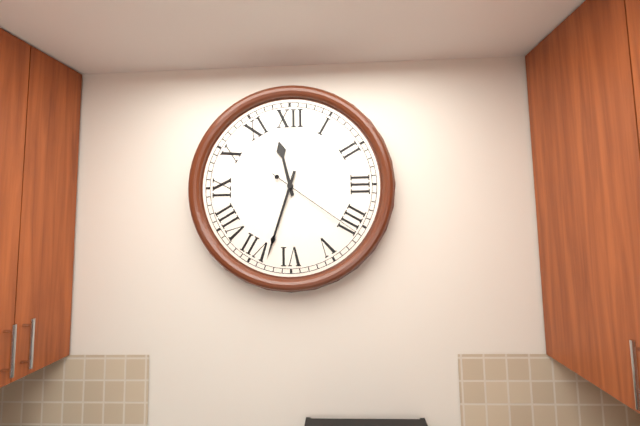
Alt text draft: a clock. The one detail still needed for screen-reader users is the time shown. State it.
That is 11:33:21
